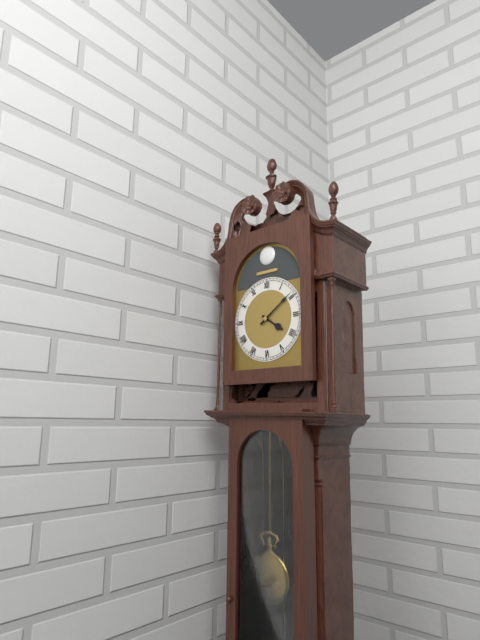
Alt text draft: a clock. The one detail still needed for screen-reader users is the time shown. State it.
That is 4:09
